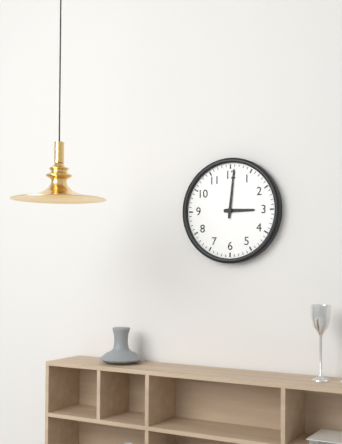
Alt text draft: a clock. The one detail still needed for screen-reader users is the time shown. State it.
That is 3:01
